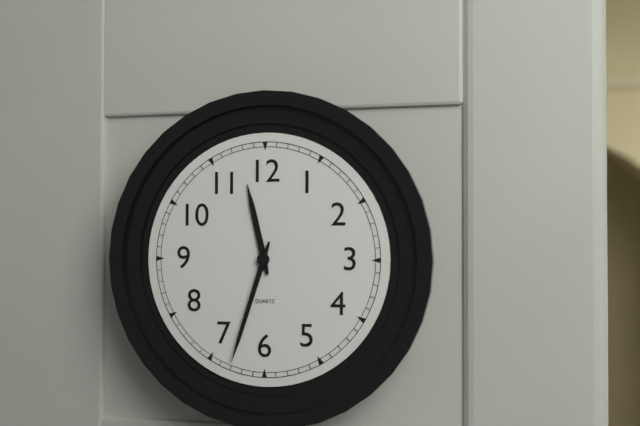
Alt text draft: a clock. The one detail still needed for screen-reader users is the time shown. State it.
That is 11:33
